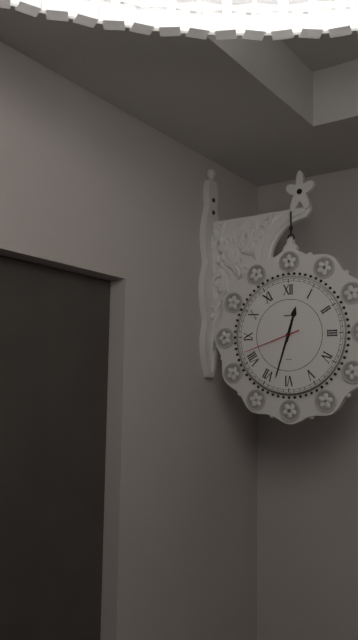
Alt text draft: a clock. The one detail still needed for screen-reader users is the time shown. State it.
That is 12:33:42
